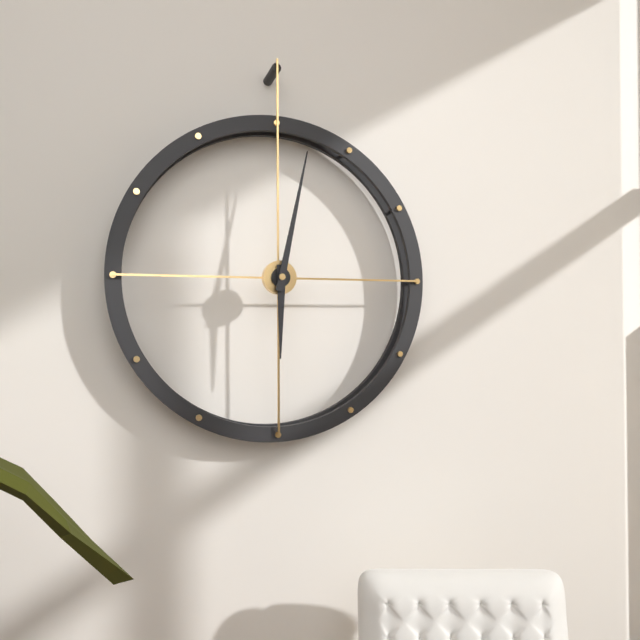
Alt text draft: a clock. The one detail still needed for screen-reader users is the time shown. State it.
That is 6:02
